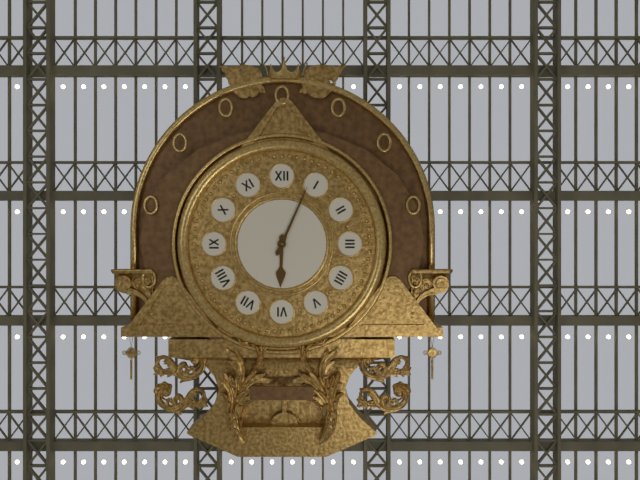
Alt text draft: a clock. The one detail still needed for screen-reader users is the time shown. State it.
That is 6:04
